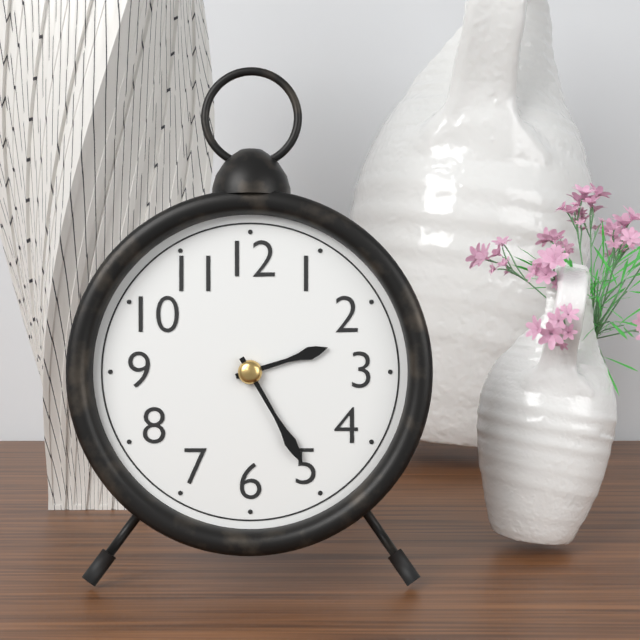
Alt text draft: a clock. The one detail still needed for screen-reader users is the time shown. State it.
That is 2:25
